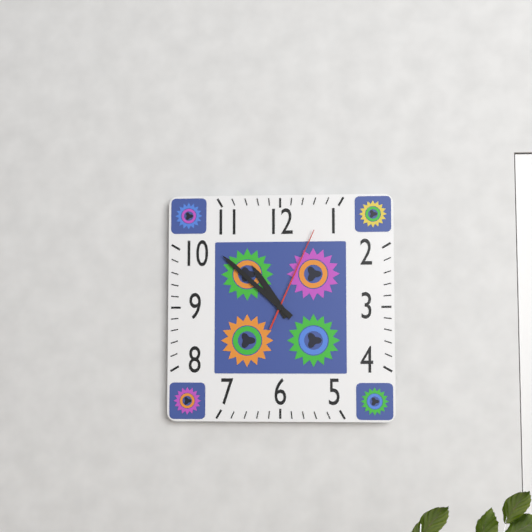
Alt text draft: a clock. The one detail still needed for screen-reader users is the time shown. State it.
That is 10:52:04
